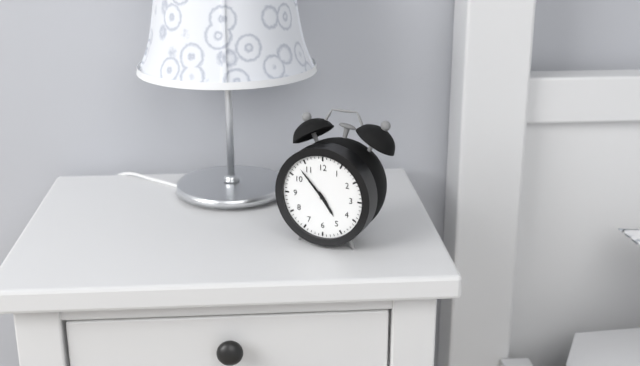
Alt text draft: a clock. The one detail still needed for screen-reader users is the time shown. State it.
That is 4:53
